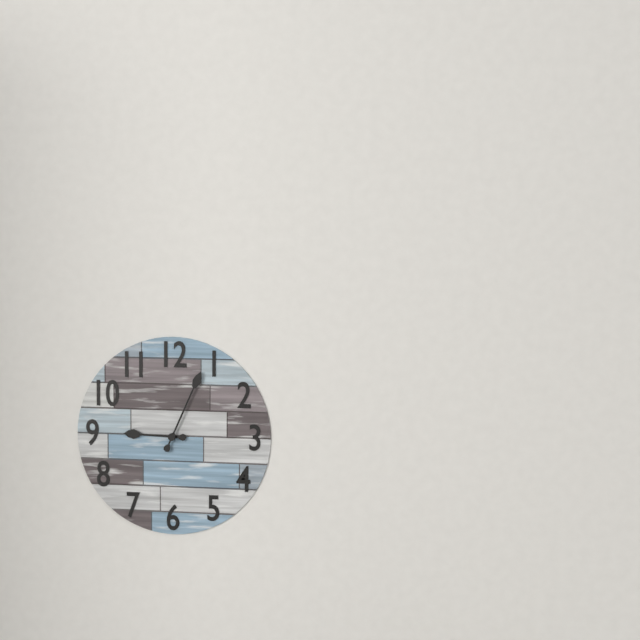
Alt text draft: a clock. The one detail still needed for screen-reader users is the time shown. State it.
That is 9:04
